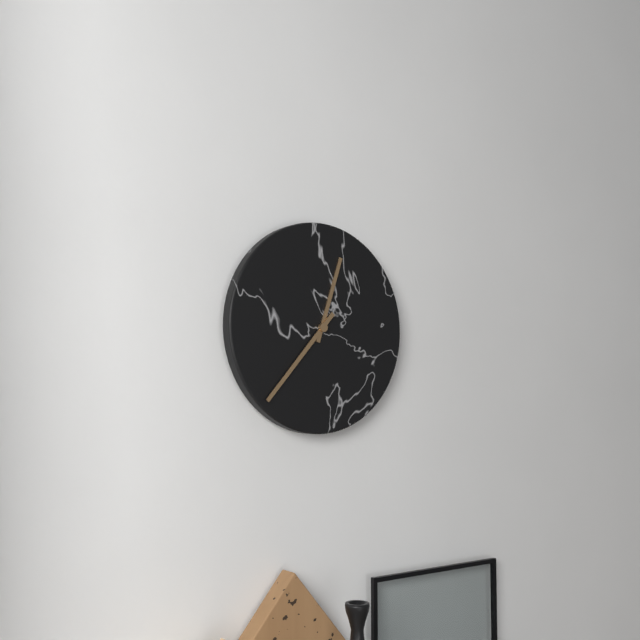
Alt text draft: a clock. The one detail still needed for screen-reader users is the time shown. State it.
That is 12:37
